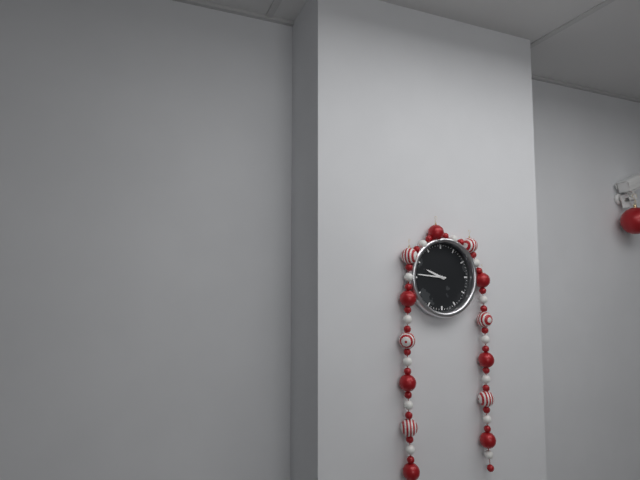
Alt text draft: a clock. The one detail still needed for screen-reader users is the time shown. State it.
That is 9:46
